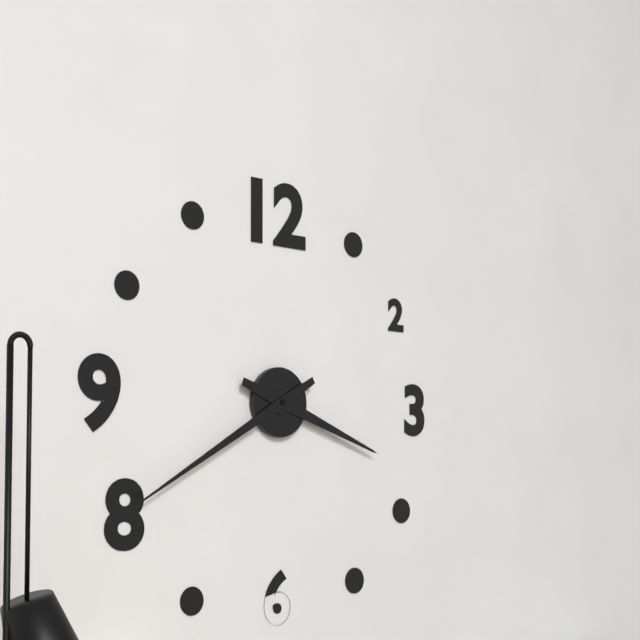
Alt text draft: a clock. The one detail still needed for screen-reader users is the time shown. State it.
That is 3:40
